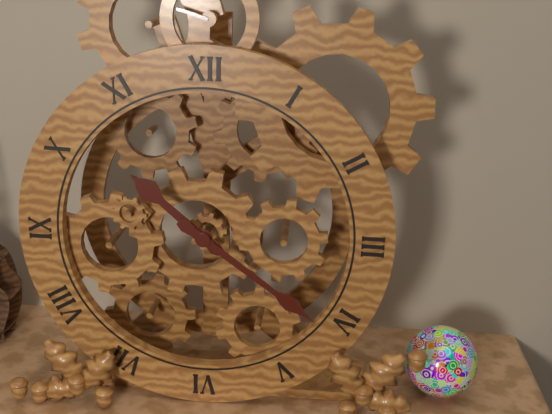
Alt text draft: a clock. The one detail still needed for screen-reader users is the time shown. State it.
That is 10:21
